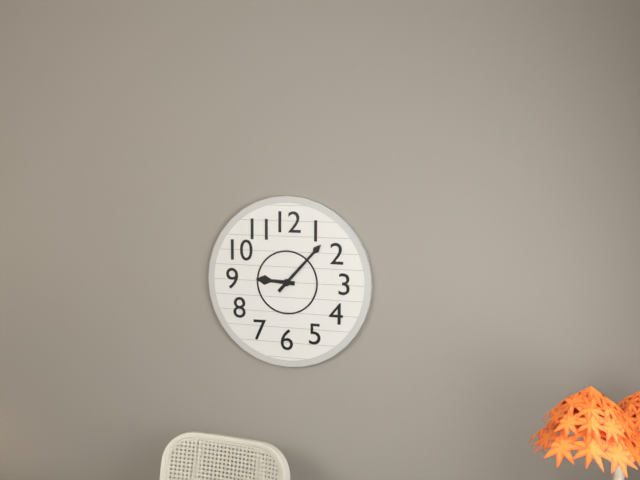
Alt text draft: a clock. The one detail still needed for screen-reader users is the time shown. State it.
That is 9:07
